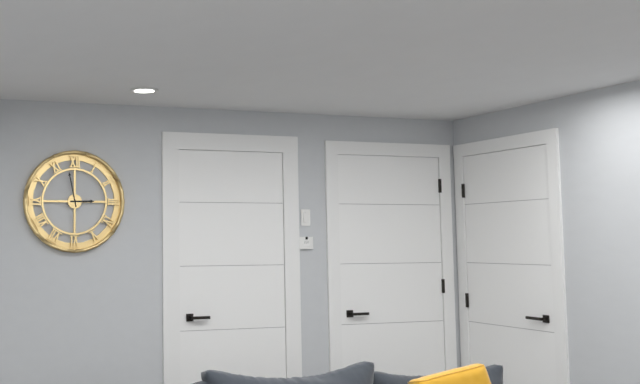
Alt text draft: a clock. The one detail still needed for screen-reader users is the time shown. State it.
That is 2:58
